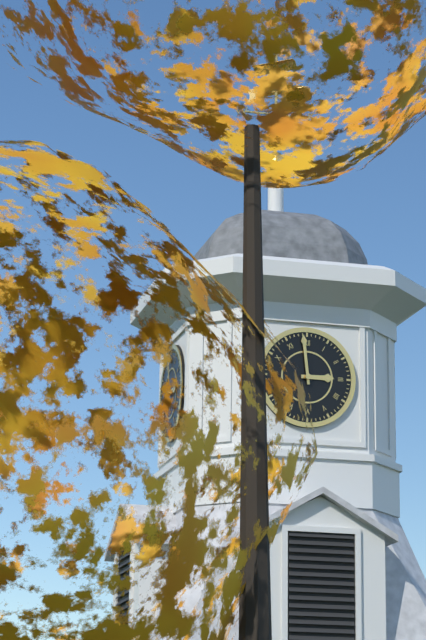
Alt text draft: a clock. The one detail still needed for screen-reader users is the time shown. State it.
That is 2:59
